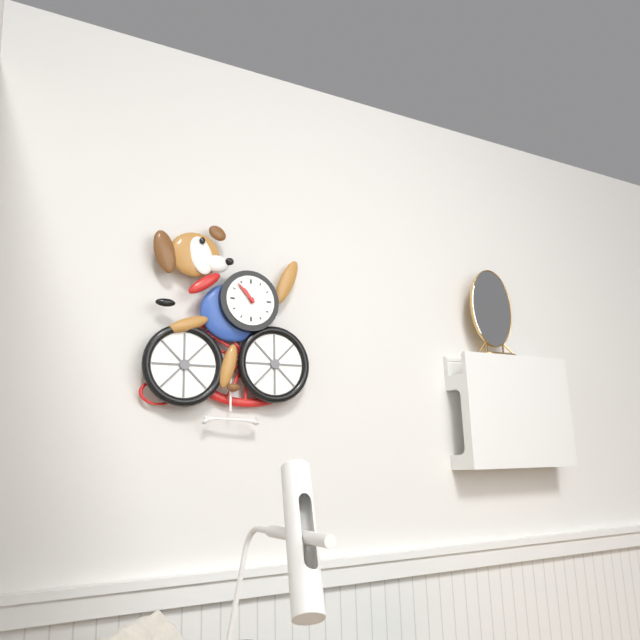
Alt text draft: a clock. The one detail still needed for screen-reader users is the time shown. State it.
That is 10:53
